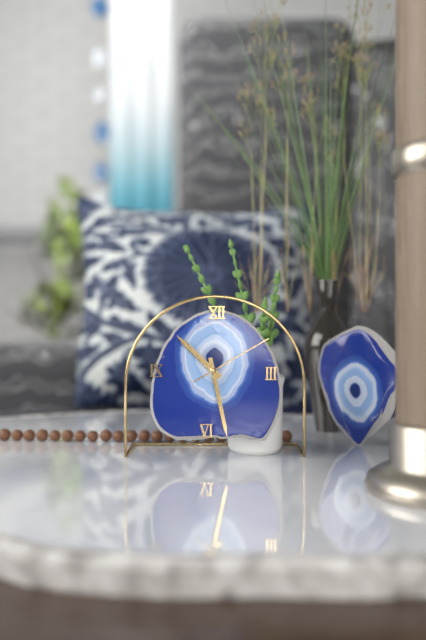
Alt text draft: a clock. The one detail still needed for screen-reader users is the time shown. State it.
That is 10:28:10
